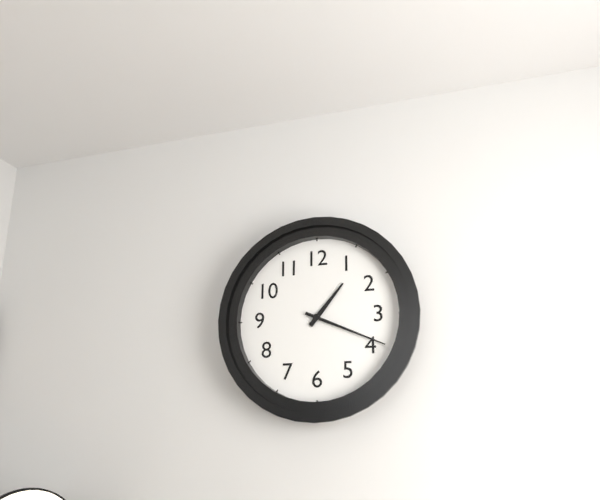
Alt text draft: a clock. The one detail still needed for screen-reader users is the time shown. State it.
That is 1:19
